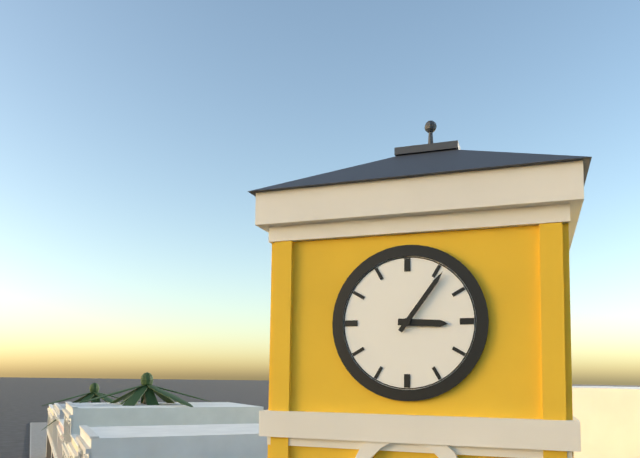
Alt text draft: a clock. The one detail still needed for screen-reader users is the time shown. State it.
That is 3:06
